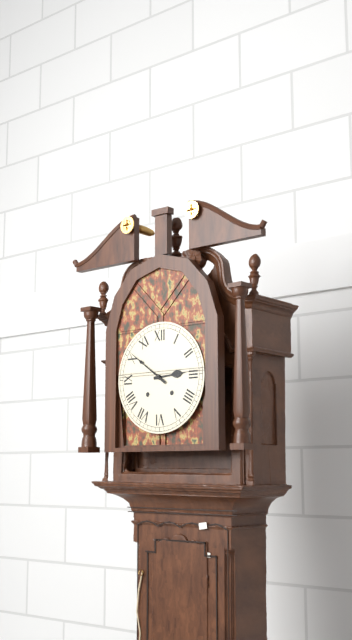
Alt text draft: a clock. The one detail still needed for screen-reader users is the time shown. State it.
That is 2:51
